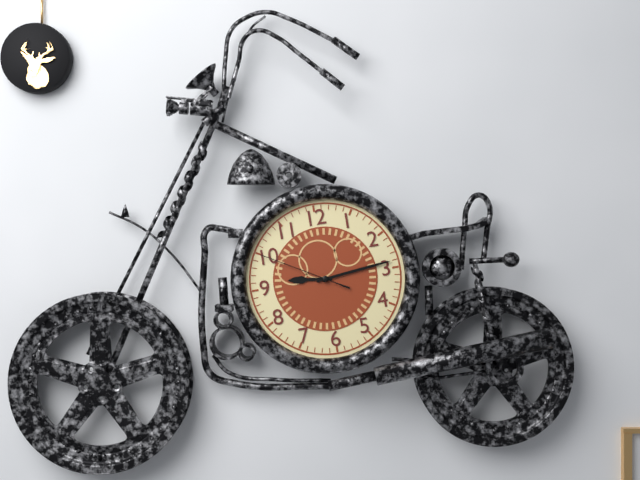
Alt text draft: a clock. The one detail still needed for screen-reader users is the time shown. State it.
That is 9:14:50
